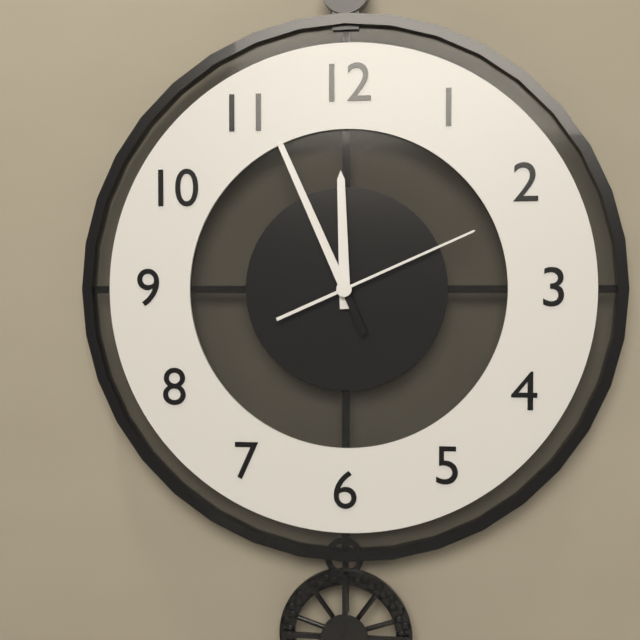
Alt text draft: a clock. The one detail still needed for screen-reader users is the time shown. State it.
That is 11:56:11
